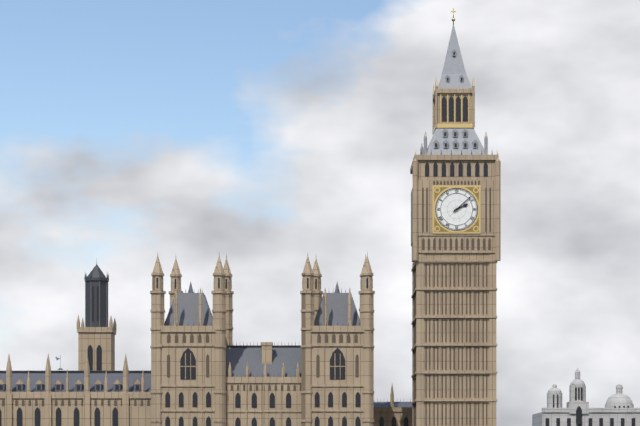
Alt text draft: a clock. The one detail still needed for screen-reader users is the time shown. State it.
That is 2:08
